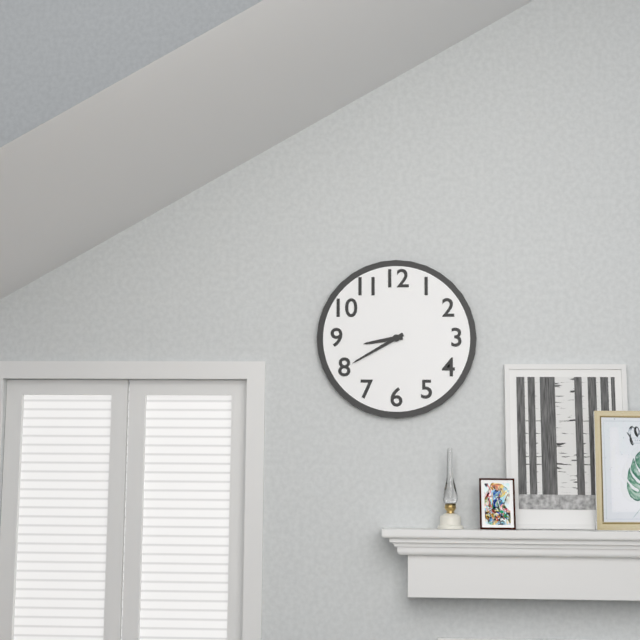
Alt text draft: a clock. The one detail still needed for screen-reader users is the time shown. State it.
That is 8:40
